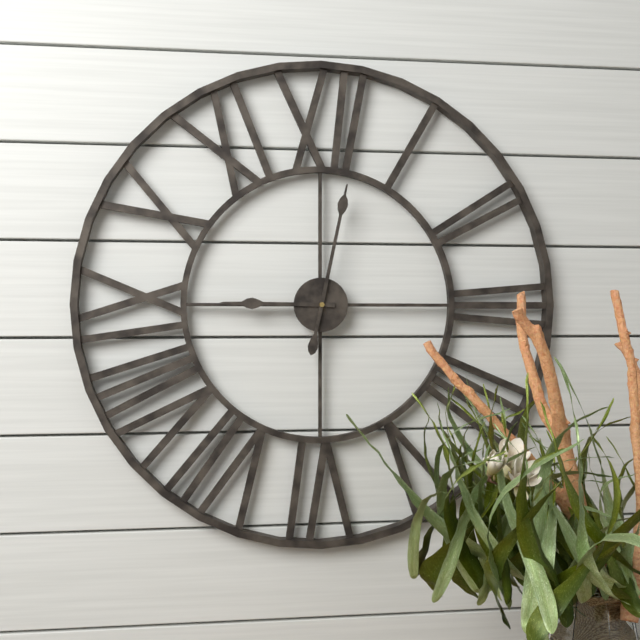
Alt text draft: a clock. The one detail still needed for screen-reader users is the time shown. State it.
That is 9:02
